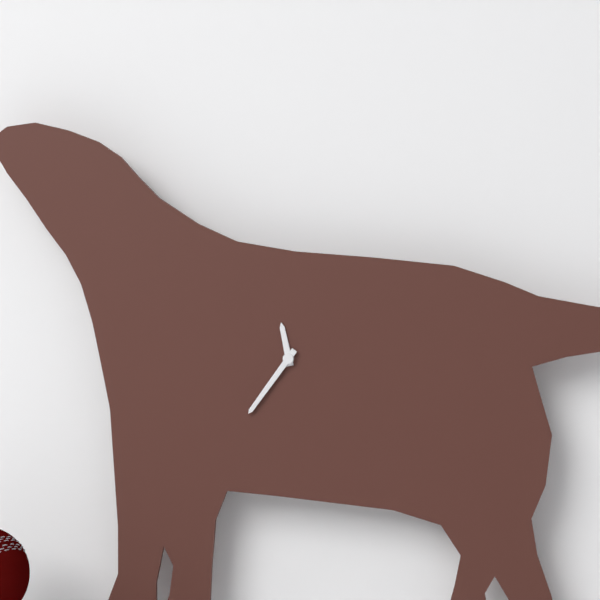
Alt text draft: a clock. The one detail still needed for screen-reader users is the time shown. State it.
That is 11:36
